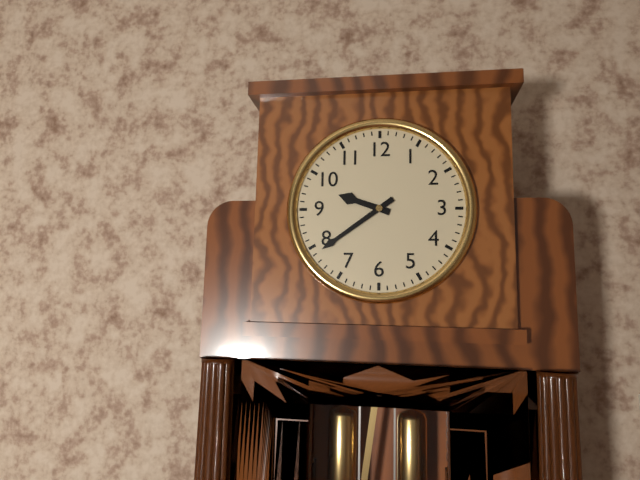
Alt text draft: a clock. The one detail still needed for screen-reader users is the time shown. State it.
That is 9:39
